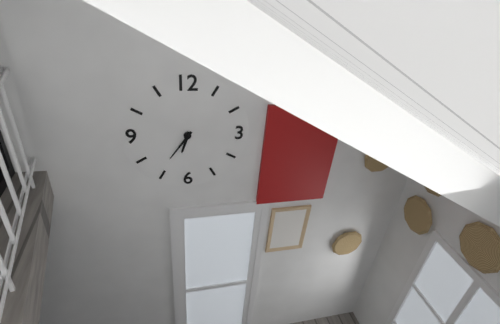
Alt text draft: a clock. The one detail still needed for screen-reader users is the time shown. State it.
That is 6:36
